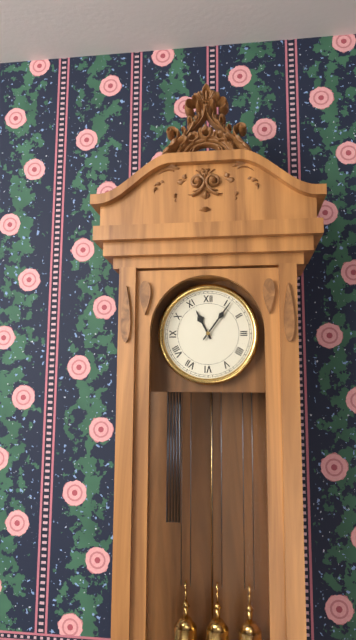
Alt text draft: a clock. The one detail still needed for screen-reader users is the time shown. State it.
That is 11:06
